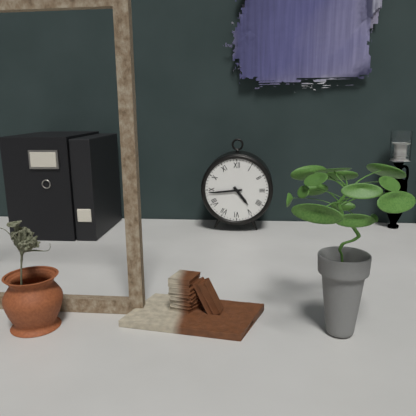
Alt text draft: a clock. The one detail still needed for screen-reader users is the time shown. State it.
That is 4:44
